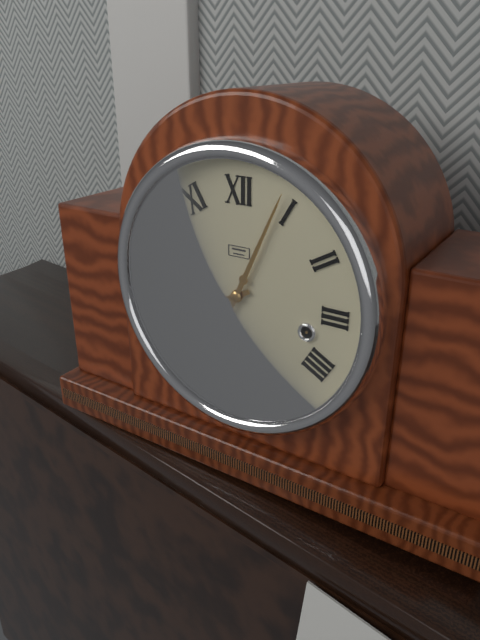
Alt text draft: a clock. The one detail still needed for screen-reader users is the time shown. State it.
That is 8:04
